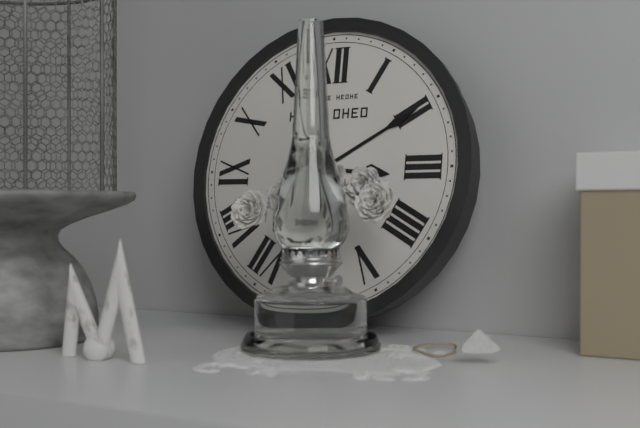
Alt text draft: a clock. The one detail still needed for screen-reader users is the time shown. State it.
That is 3:10
